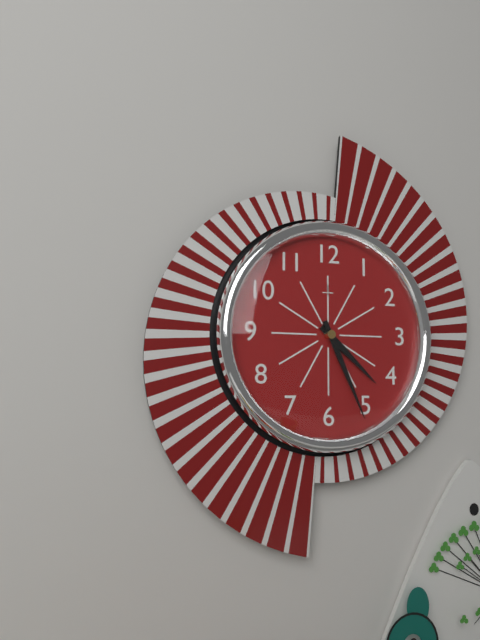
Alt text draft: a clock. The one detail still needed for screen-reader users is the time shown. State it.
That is 4:26
